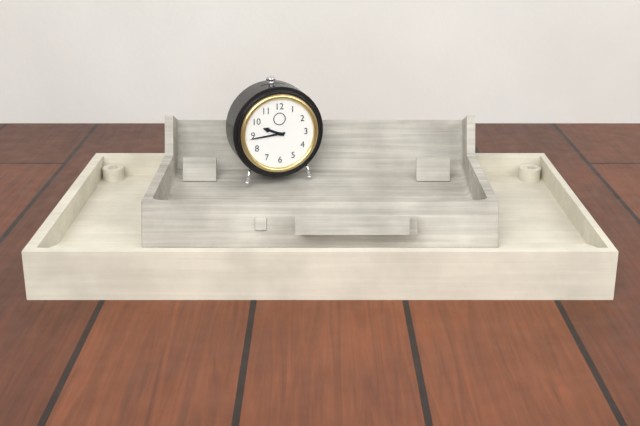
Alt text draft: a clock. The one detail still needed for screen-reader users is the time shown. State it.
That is 9:44
